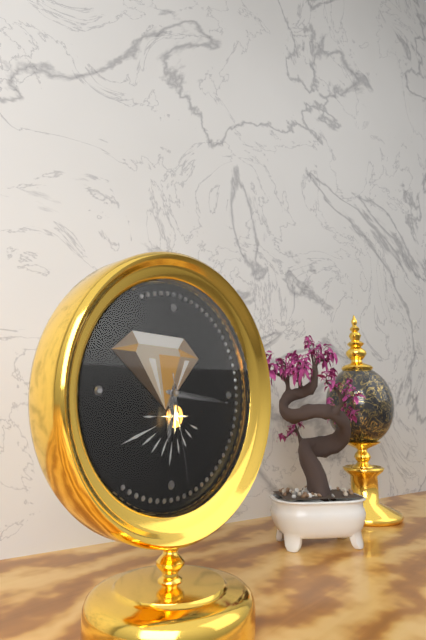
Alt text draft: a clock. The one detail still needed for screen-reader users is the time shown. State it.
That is 6:16:28
